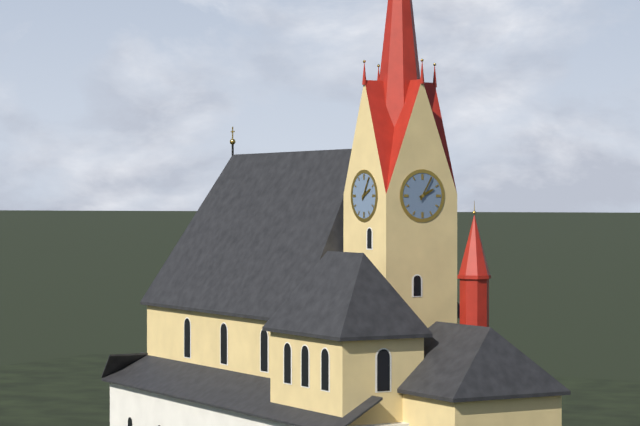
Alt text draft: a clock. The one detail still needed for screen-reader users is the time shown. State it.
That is 2:05
